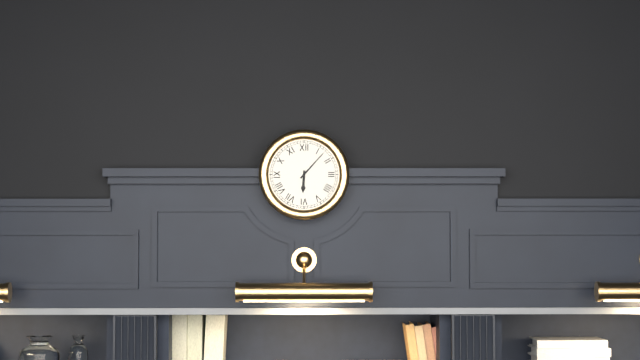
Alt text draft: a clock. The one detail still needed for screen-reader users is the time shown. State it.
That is 6:07
